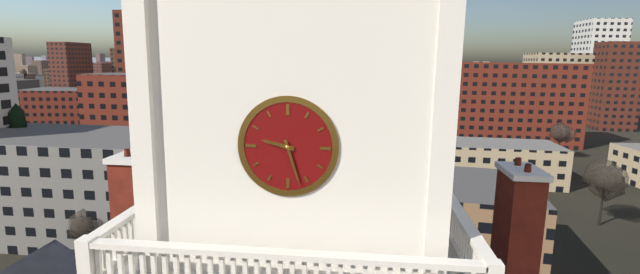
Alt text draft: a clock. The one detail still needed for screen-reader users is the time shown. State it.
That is 9:27
